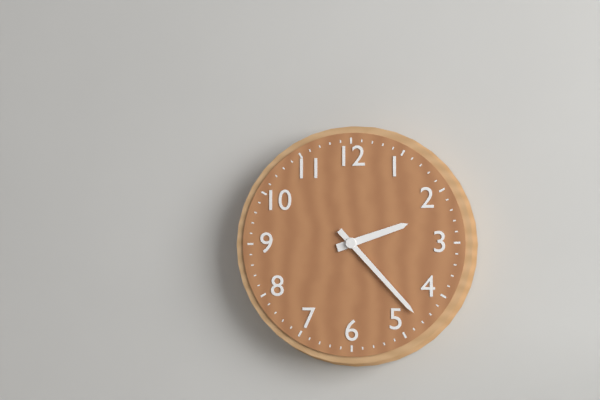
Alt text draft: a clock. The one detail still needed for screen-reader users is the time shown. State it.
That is 2:23
